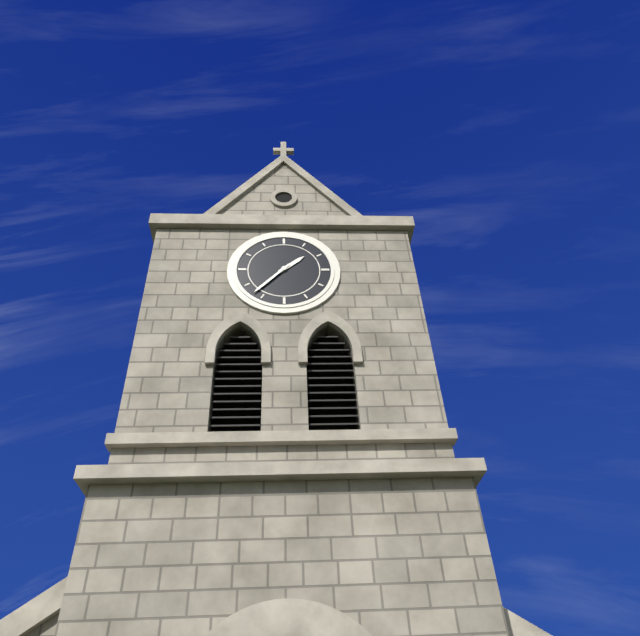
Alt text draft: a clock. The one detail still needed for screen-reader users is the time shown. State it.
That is 1:37
